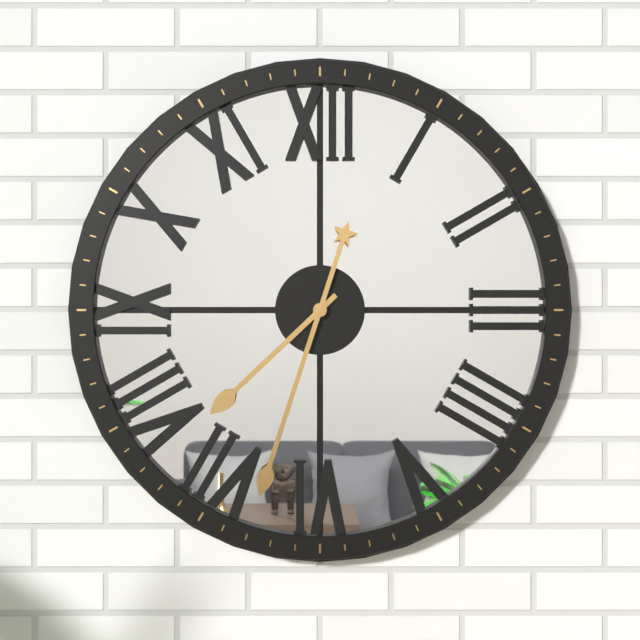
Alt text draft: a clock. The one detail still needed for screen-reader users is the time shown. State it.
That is 7:33
